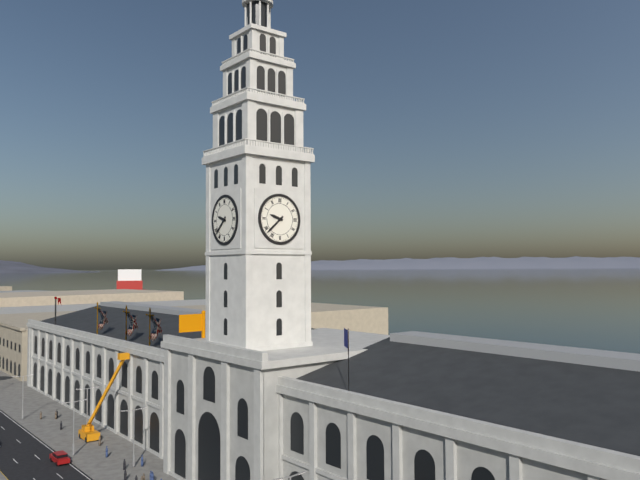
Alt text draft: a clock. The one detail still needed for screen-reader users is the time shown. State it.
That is 9:38
